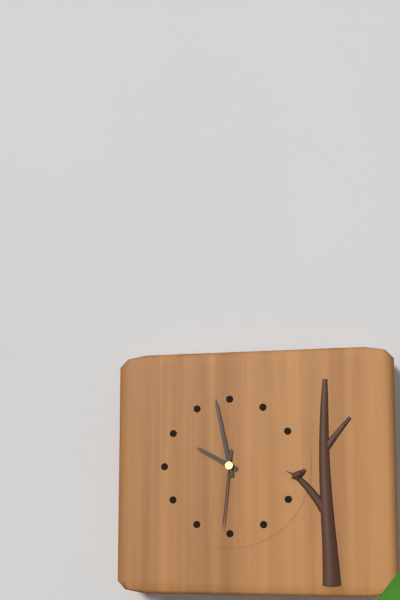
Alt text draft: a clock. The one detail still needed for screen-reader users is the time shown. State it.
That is 9:58:31
